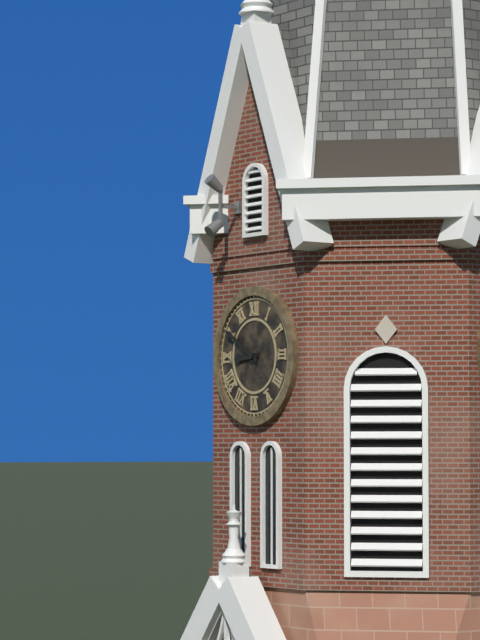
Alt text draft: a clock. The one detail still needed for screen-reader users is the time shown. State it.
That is 8:50
